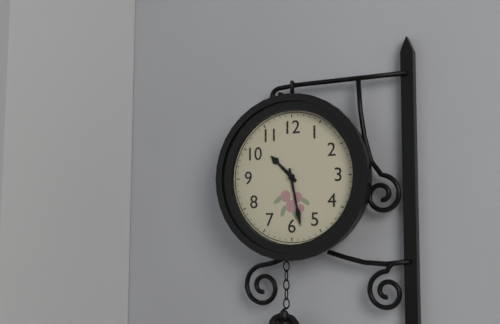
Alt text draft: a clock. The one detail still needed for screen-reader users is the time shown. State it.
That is 10:28
